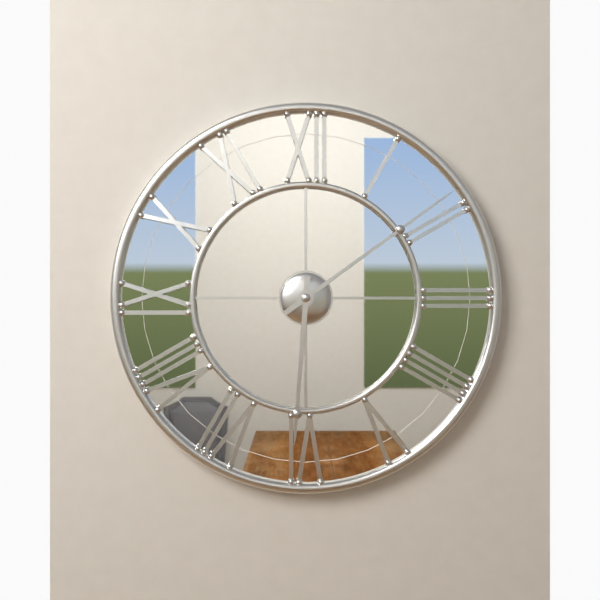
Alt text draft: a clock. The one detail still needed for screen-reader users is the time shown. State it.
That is 6:09
